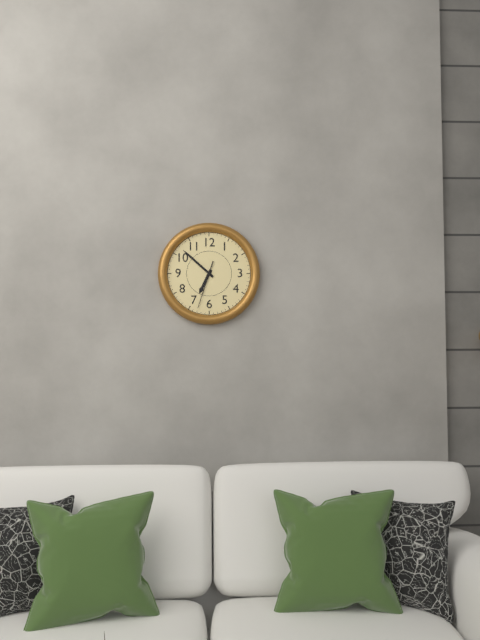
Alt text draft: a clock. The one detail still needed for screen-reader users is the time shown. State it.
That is 6:52
